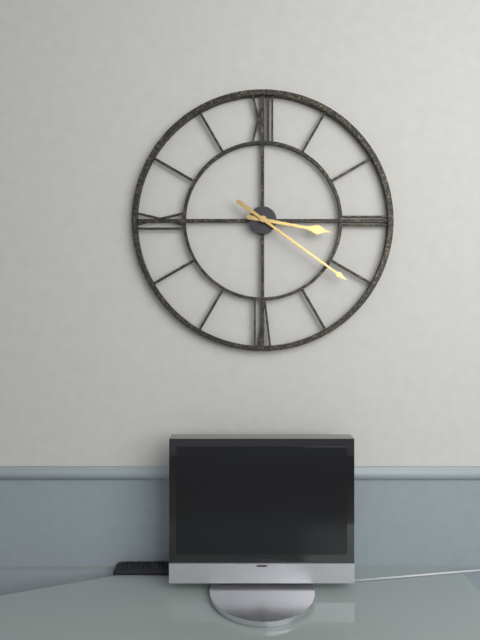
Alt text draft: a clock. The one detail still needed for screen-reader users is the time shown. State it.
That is 3:21
